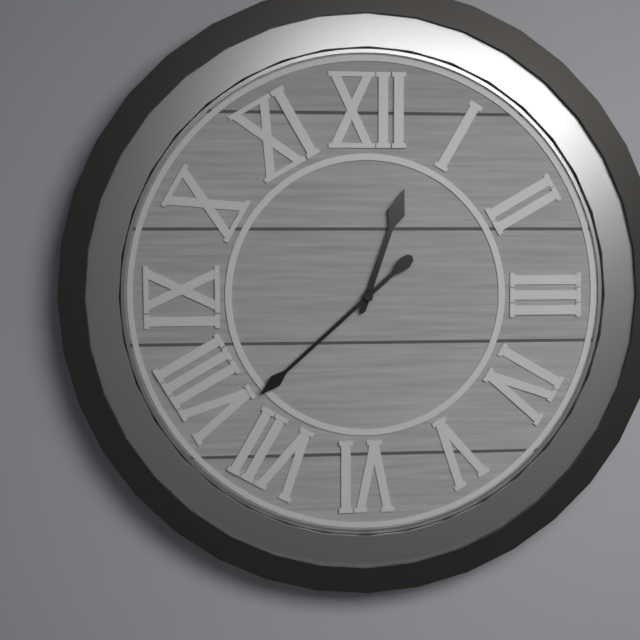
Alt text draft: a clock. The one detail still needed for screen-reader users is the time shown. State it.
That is 12:38
